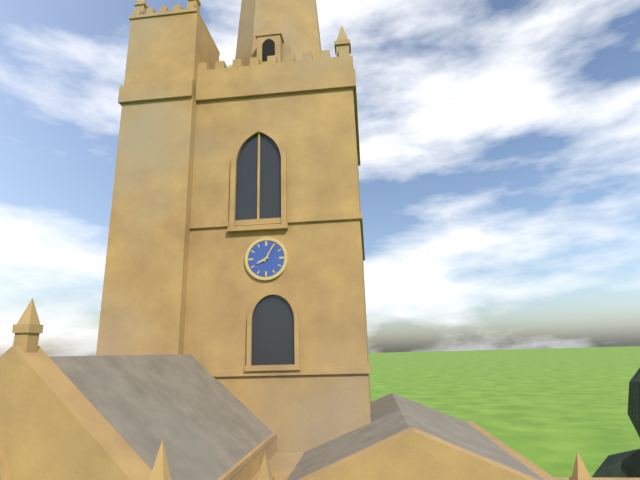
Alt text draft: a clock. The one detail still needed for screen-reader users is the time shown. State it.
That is 8:05
